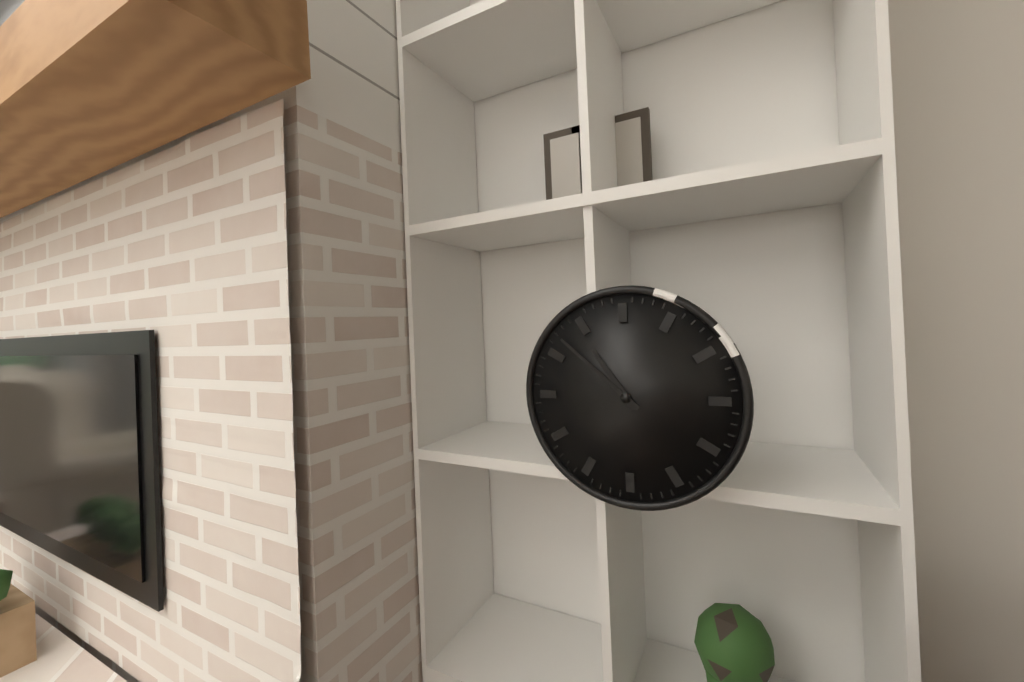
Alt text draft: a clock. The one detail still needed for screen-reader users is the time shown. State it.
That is 10:52
